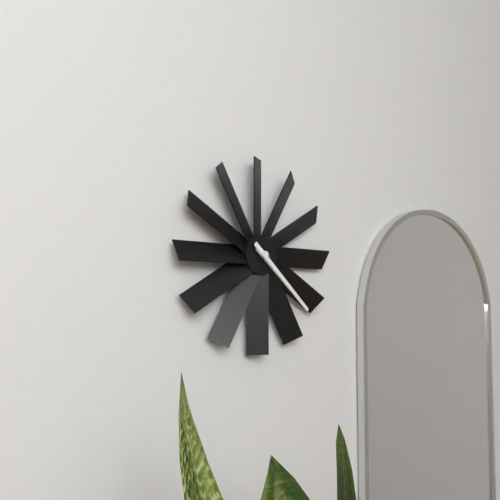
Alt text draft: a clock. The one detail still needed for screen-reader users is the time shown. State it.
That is 4:22
